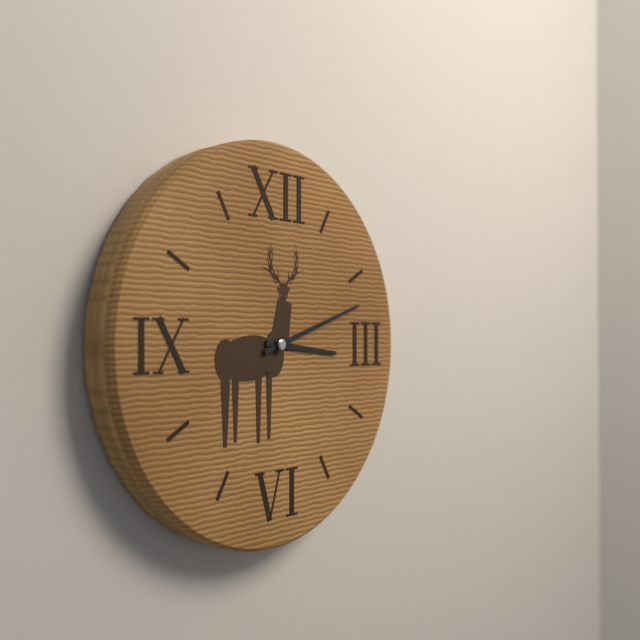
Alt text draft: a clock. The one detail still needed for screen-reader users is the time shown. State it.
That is 3:12
